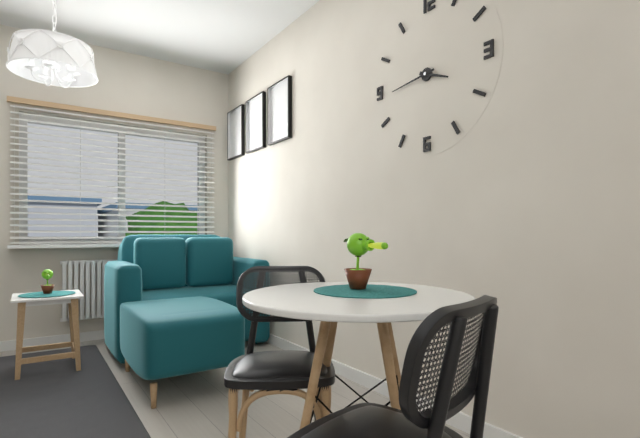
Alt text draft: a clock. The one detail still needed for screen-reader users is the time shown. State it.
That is 3:44
